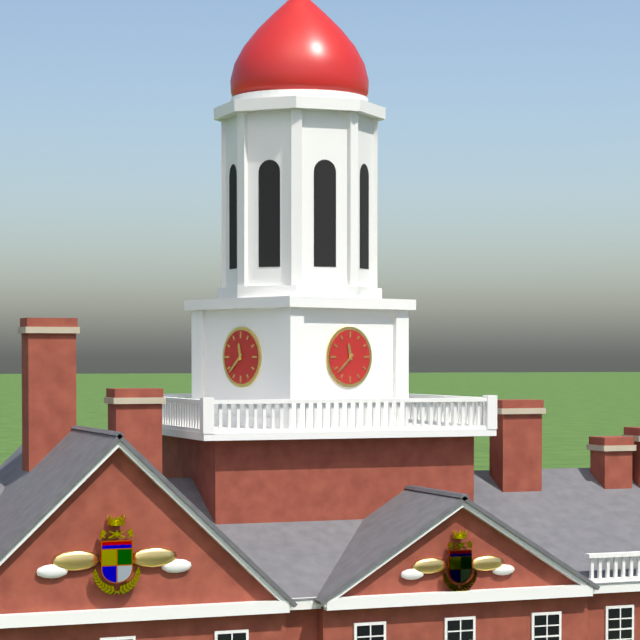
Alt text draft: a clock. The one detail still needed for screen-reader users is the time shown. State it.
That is 11:38
